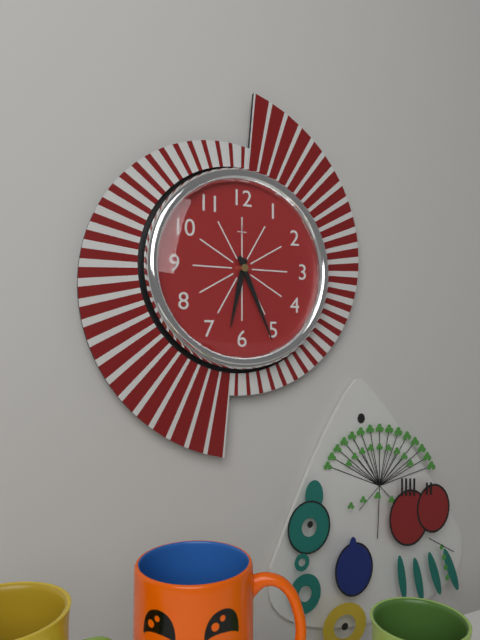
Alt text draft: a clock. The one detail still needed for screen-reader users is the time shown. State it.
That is 6:26
